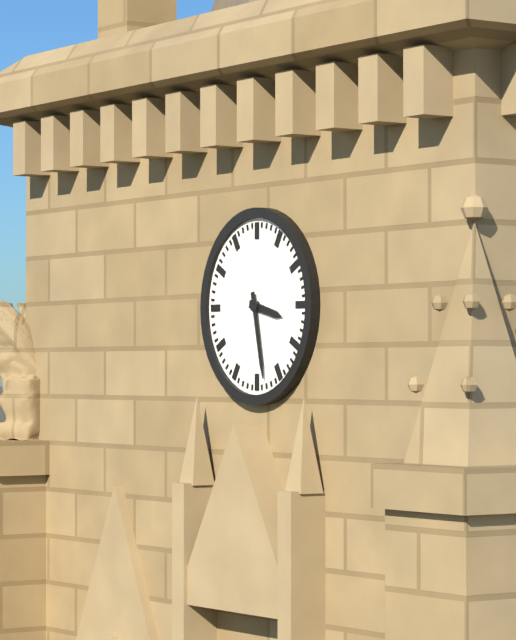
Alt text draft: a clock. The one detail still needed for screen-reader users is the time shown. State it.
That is 3:28
